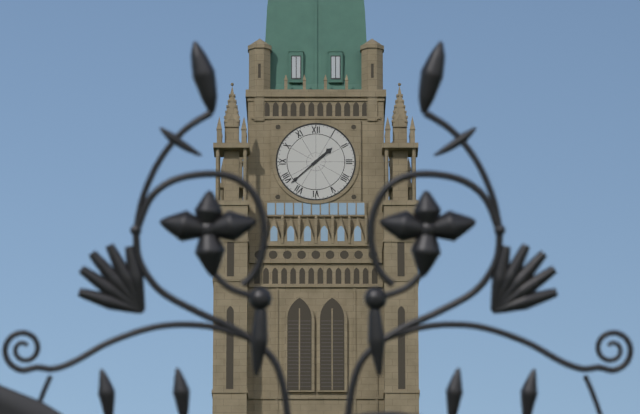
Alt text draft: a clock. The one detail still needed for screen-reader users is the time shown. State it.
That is 1:38
